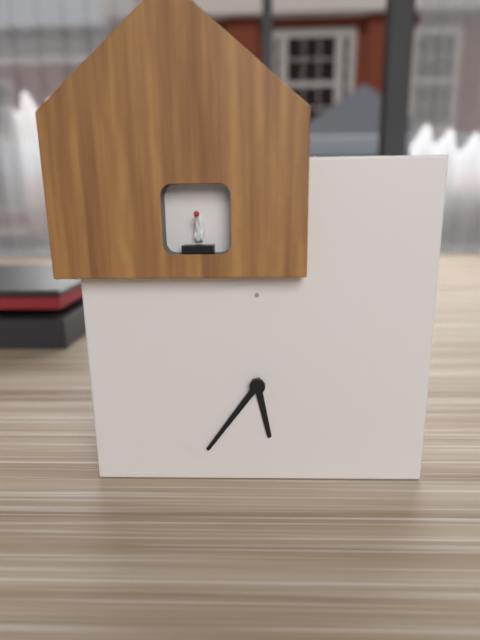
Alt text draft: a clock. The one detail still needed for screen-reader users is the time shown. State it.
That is 5:36
